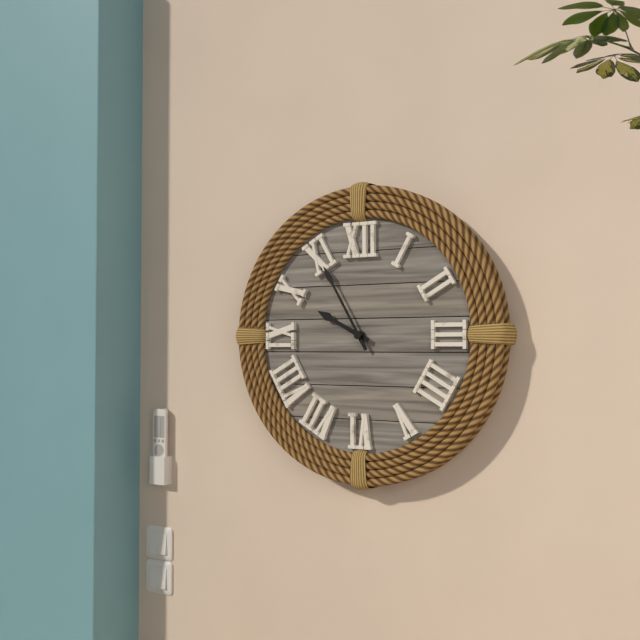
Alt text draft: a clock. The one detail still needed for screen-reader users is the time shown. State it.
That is 9:55
